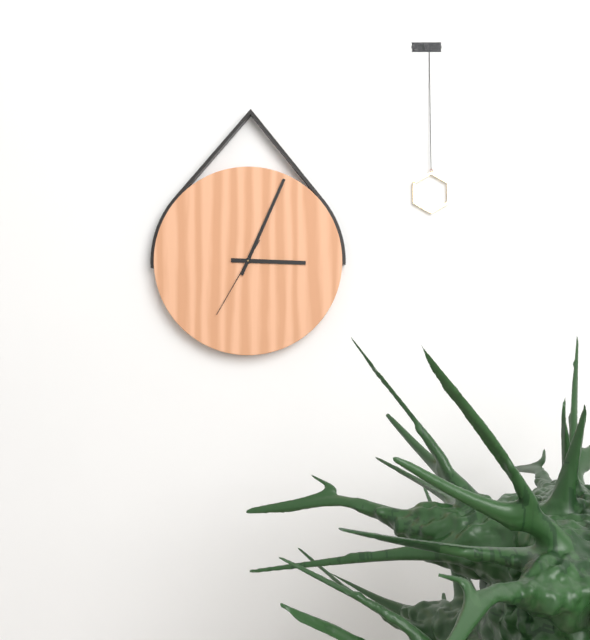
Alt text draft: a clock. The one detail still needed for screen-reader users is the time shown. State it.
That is 3:04:35
